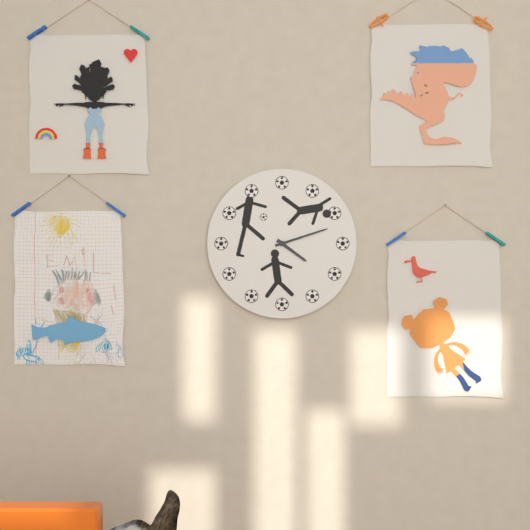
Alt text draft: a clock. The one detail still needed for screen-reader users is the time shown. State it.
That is 4:12
